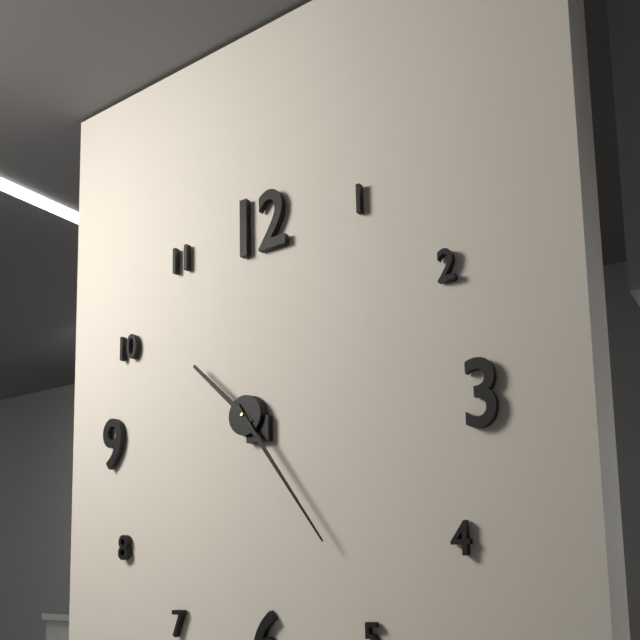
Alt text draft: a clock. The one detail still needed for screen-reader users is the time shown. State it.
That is 10:24
